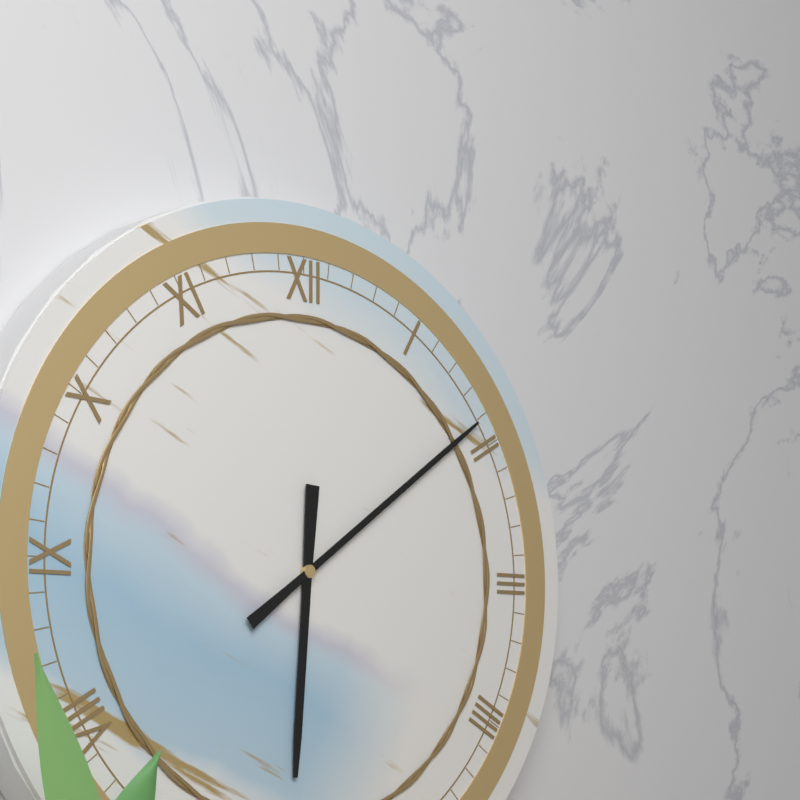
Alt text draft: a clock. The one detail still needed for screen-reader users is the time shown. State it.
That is 6:09
